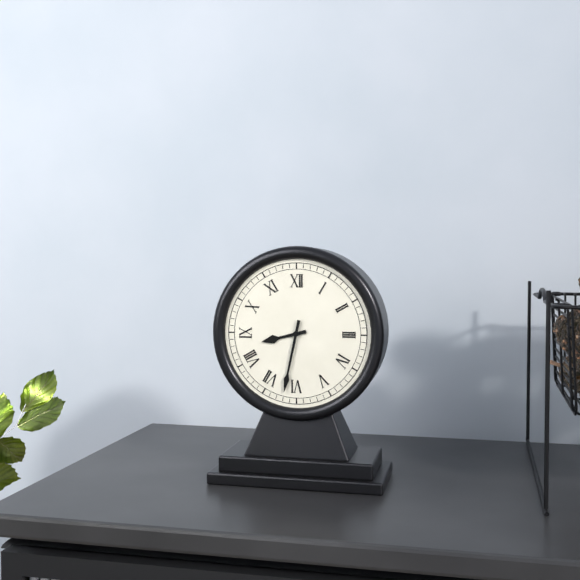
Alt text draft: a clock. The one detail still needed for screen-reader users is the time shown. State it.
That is 8:32
